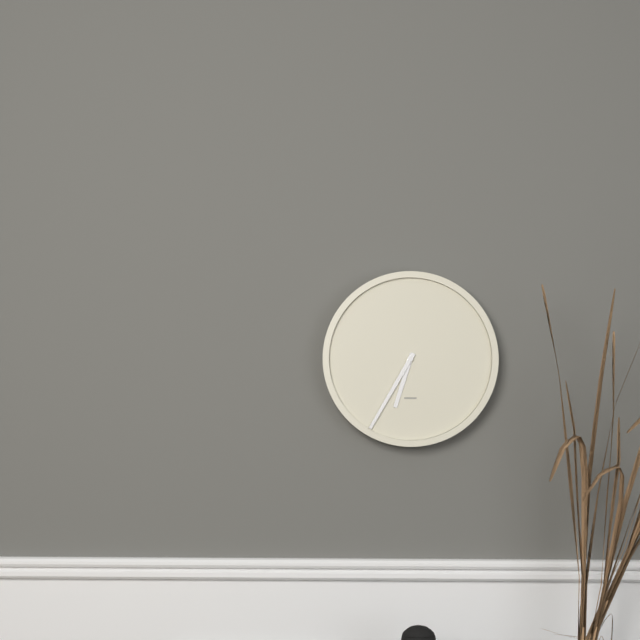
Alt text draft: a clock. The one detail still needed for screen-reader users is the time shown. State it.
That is 6:35
